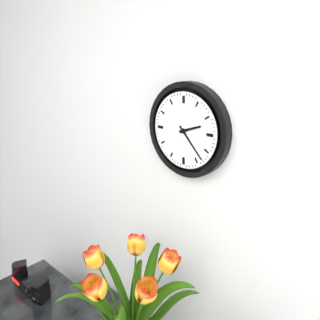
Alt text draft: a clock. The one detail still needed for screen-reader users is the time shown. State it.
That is 2:23
